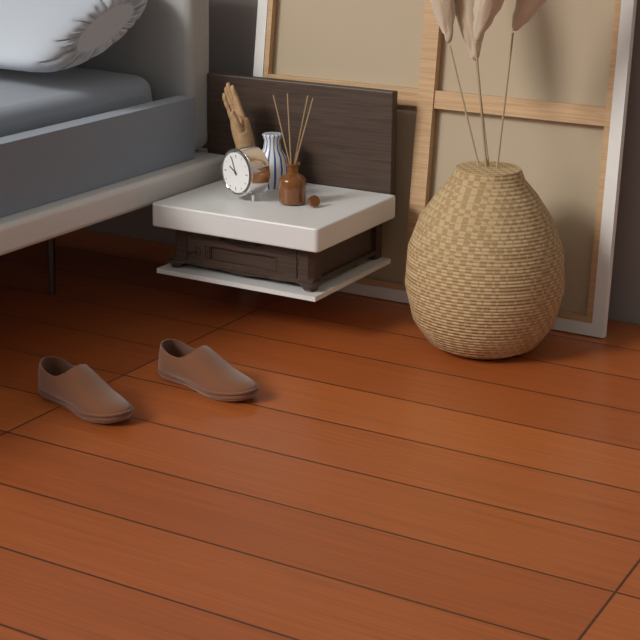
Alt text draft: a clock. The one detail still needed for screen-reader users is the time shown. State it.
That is 9:56
